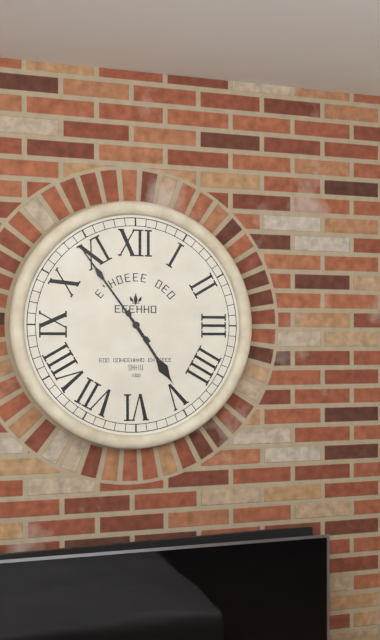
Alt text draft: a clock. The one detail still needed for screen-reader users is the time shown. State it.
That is 4:54
